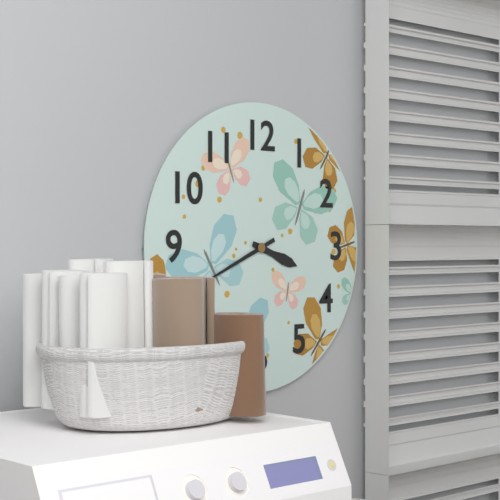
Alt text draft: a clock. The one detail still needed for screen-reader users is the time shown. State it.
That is 3:41
